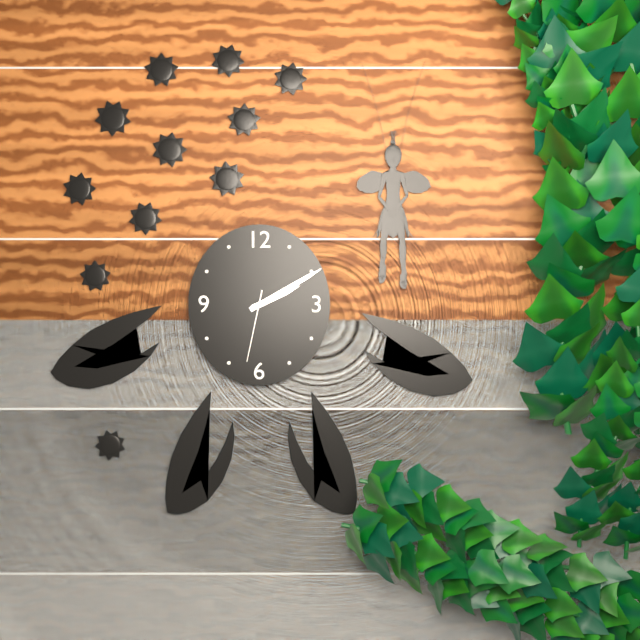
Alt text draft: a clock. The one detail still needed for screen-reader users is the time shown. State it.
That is 2:10:32
